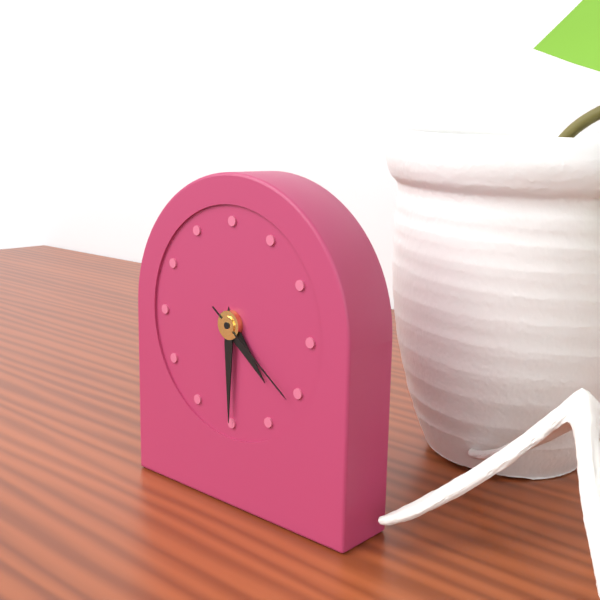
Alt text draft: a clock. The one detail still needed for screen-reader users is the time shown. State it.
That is 4:30:21
